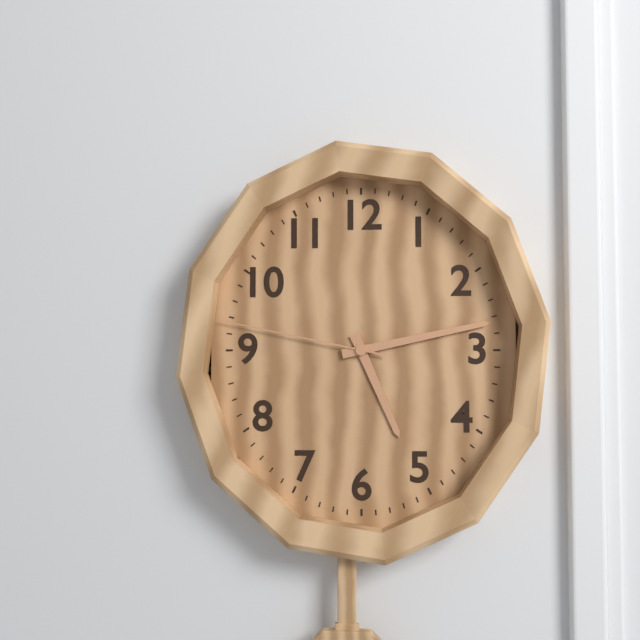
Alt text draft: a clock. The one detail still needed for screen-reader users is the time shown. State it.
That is 5:13:47
